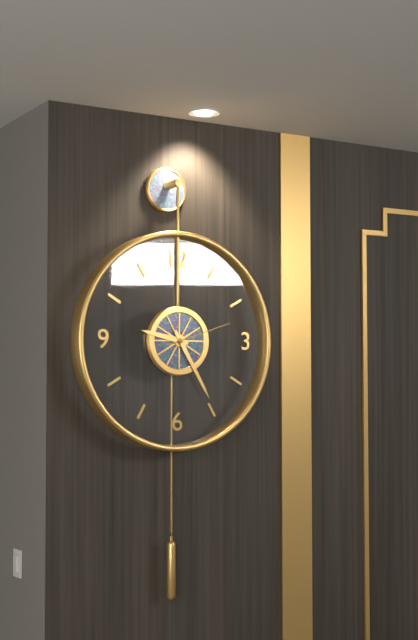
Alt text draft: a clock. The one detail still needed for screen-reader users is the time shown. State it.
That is 9:25:12
